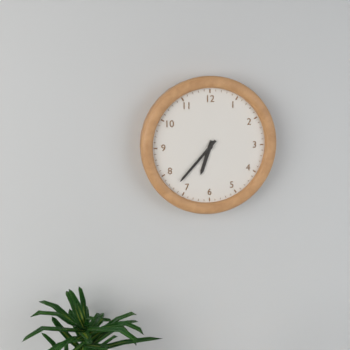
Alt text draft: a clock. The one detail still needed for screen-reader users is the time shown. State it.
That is 6:37
